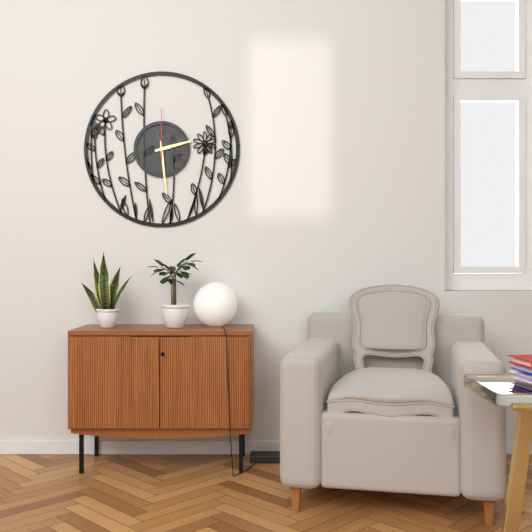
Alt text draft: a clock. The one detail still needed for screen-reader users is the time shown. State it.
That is 2:29:00
